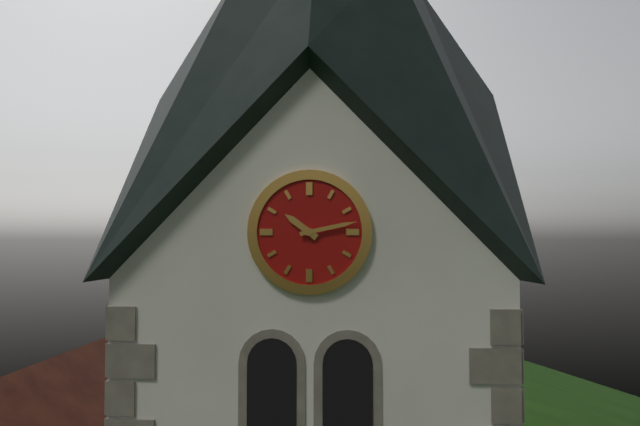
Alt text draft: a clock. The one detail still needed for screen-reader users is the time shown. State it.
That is 10:13
